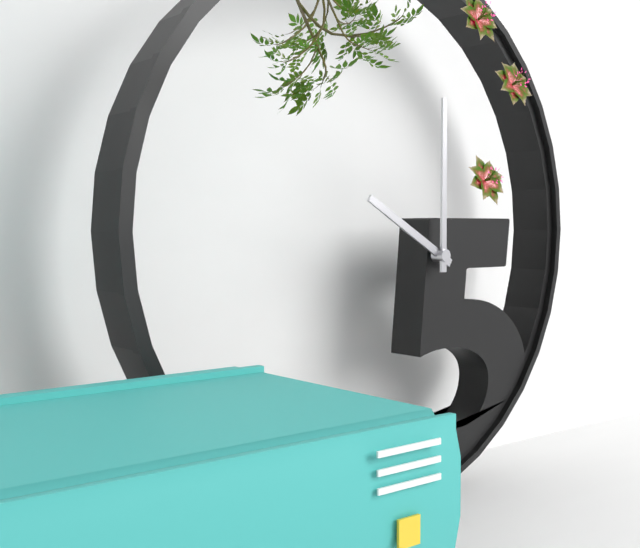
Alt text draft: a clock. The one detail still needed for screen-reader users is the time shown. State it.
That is 10:00
